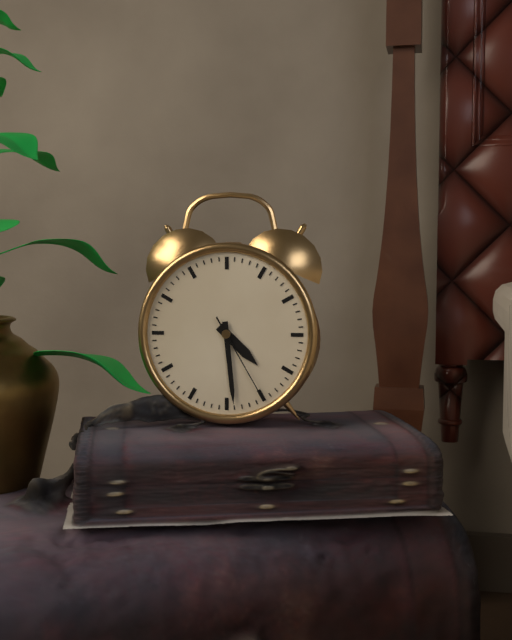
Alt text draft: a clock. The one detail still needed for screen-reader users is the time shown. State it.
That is 4:29:25
